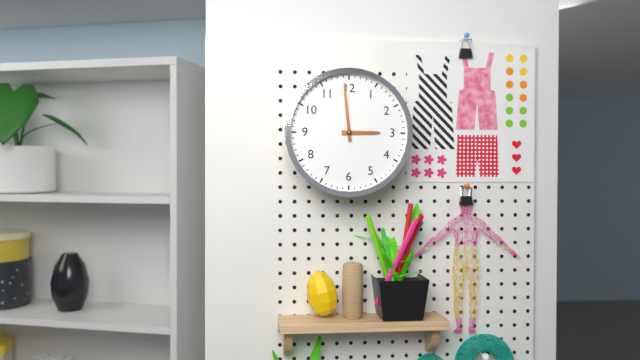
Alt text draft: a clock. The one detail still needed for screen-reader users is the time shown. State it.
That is 2:59
